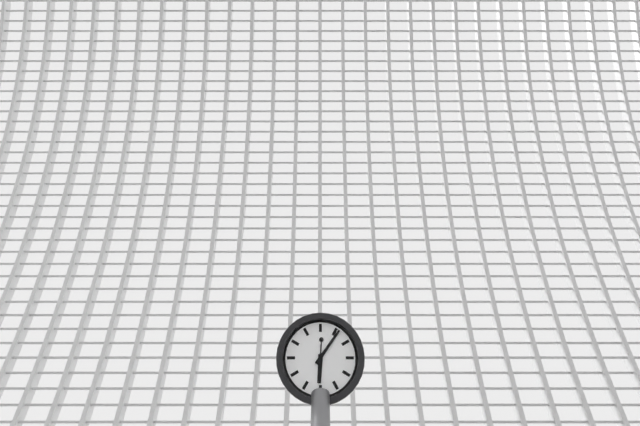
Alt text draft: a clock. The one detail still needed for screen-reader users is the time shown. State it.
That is 6:06
